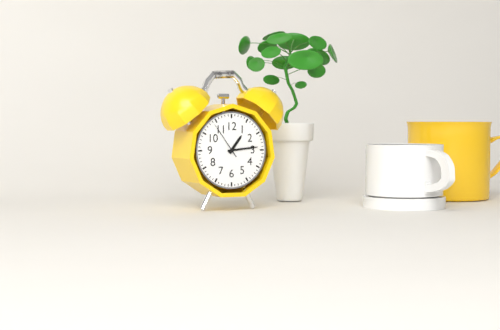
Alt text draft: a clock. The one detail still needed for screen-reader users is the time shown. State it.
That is 1:14
